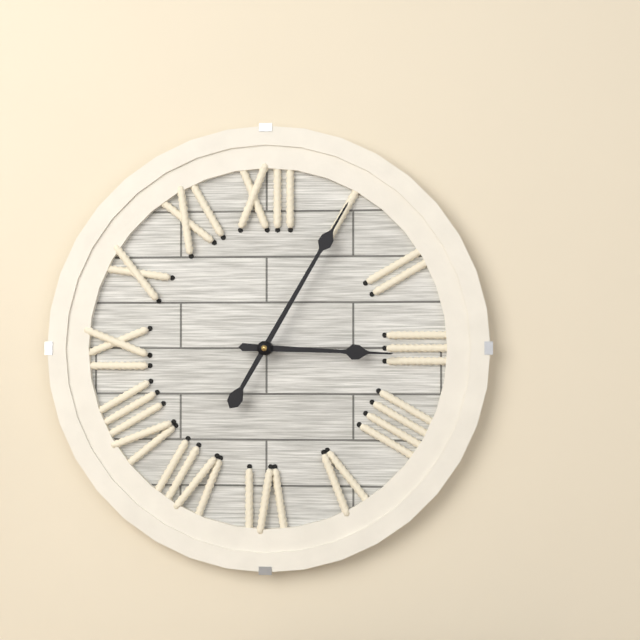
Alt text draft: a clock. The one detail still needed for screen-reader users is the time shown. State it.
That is 3:05
